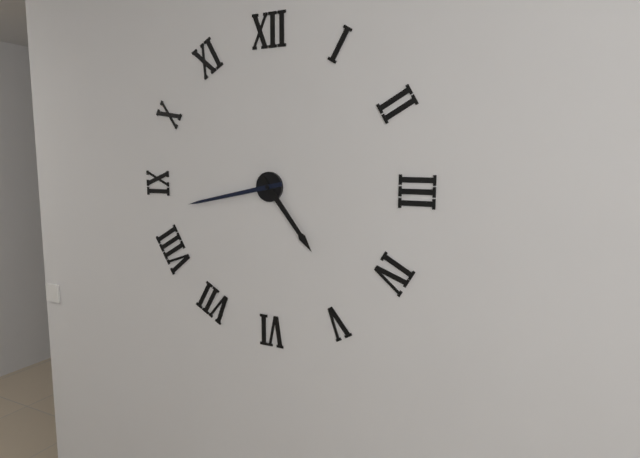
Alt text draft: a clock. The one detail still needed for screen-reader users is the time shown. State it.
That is 4:43
